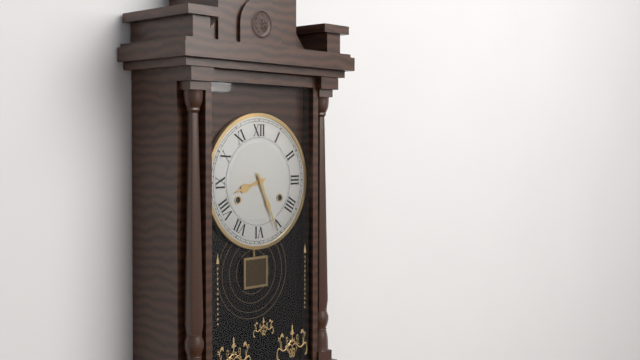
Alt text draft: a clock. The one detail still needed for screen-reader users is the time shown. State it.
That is 8:26
